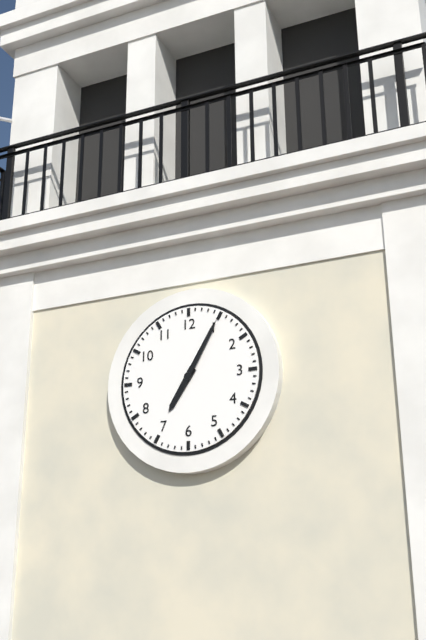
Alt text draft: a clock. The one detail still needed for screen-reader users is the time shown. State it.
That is 7:05
